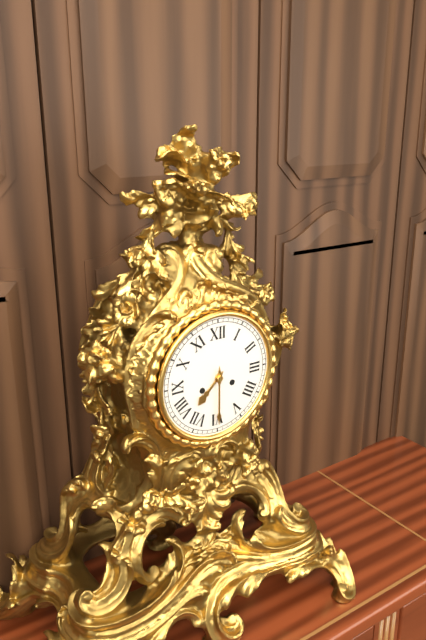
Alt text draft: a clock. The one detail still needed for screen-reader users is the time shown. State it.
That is 7:30
